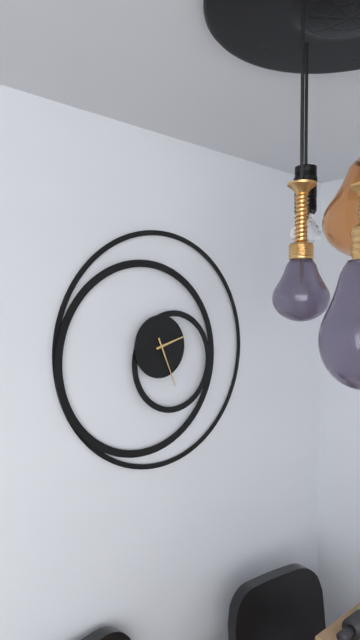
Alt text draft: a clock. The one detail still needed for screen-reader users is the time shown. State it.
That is 2:26
